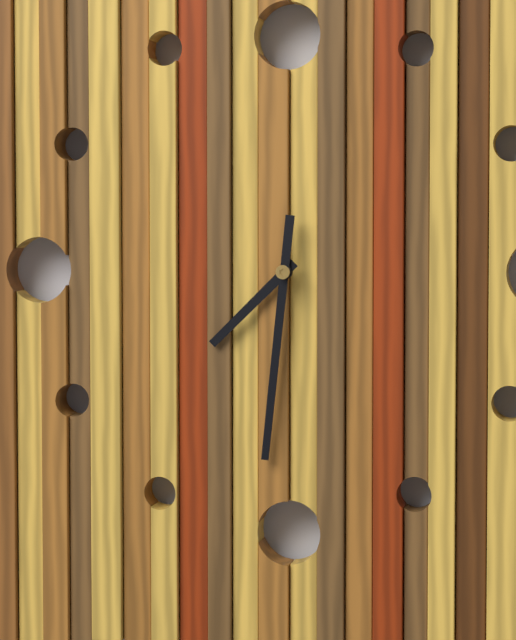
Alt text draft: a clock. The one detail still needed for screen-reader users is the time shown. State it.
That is 7:31
